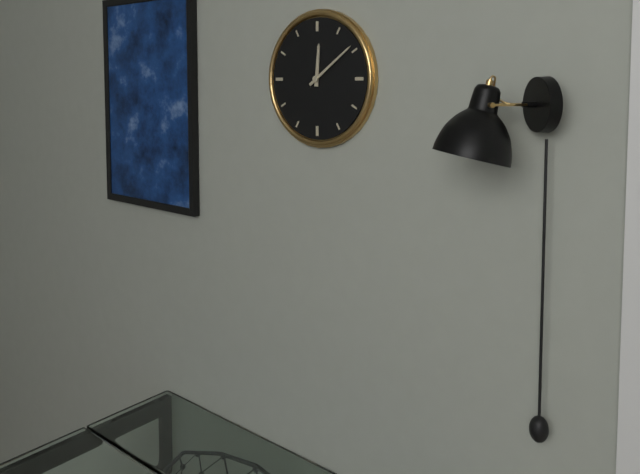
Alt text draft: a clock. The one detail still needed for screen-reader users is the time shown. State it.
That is 12:09
